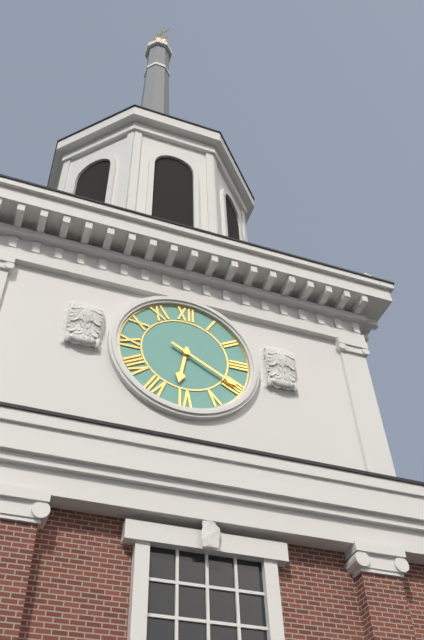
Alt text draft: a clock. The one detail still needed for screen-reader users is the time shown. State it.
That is 6:20
